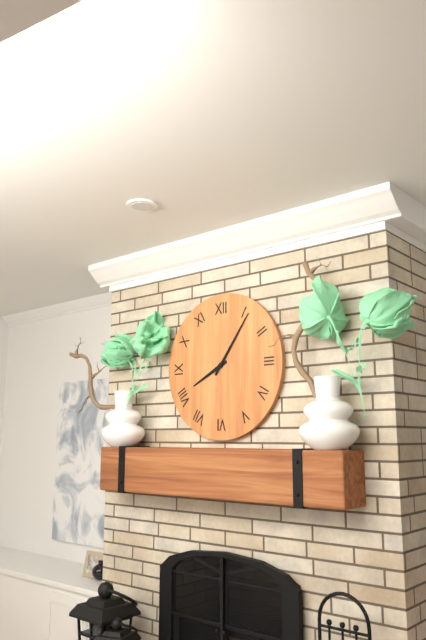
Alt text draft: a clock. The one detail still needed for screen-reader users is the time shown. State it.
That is 8:06
